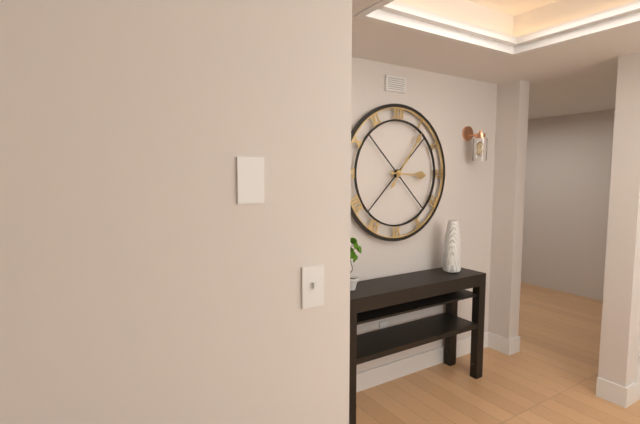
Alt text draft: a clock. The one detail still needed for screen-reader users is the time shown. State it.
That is 3:06
